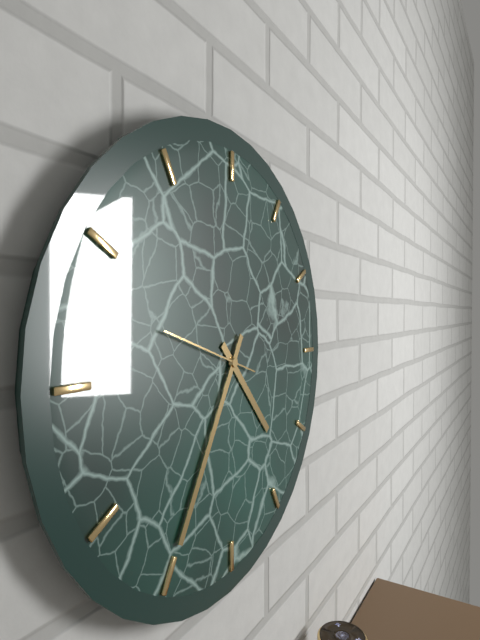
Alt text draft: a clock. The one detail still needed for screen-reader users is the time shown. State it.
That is 4:35:48
